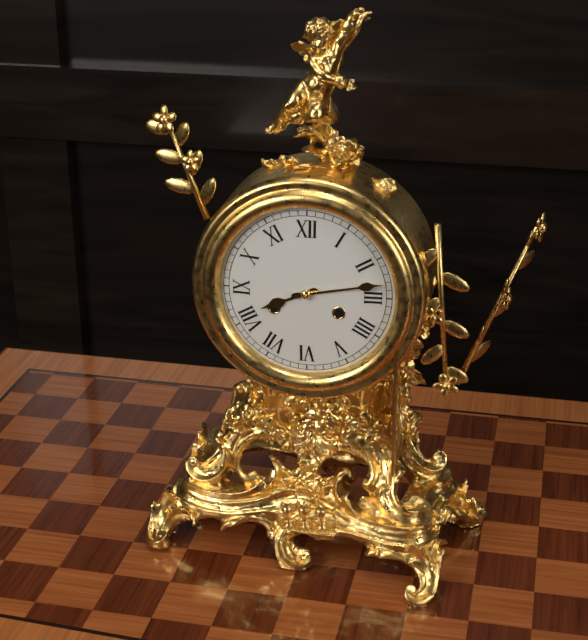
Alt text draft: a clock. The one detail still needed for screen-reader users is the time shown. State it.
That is 8:13
